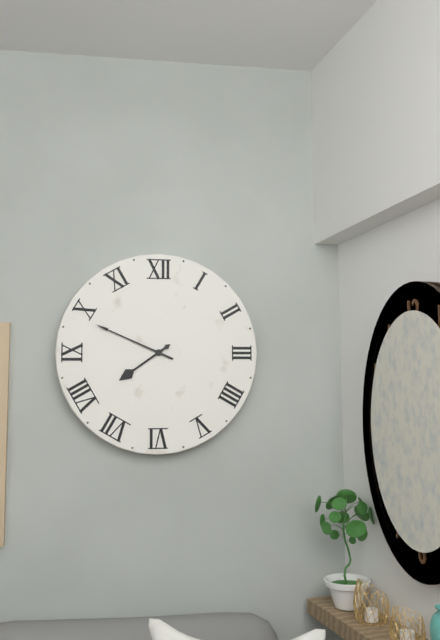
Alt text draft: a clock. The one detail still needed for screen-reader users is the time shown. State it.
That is 7:49
